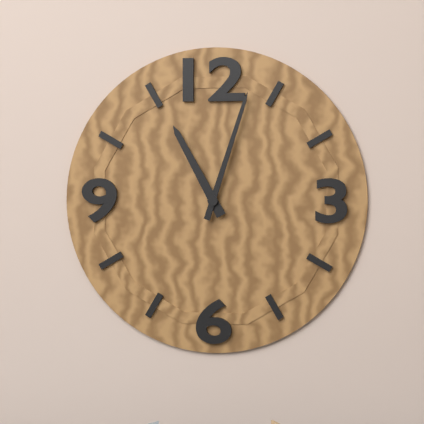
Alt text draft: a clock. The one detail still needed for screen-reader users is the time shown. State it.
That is 11:03
